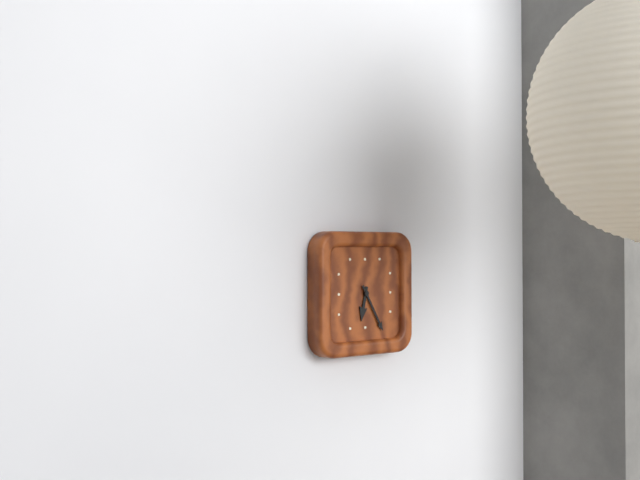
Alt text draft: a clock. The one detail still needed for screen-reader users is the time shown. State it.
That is 6:25
